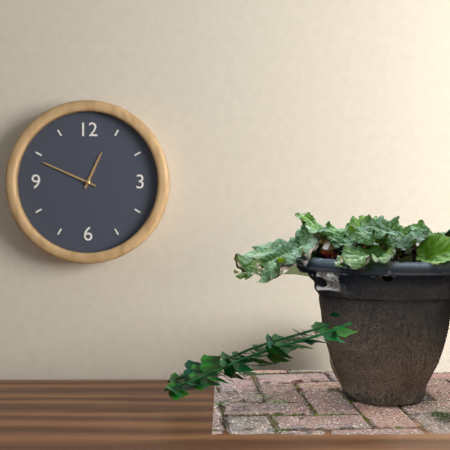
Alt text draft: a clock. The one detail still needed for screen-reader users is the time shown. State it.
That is 12:49
